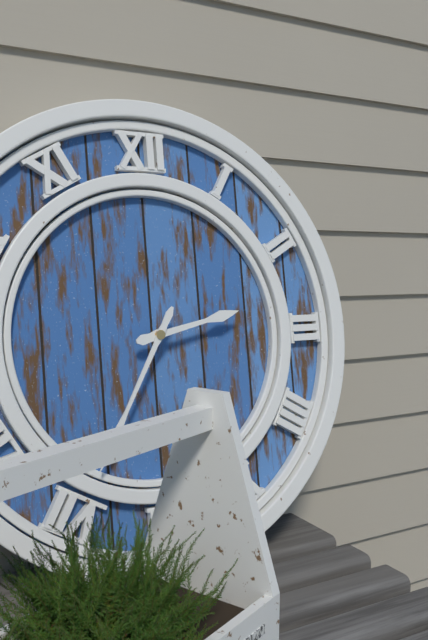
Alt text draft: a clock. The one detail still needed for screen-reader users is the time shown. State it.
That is 2:35
